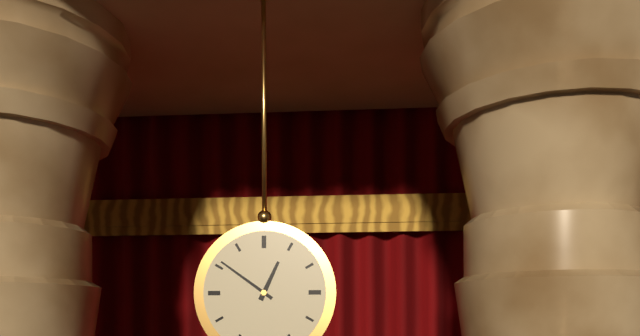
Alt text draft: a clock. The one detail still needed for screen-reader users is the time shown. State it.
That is 12:51
